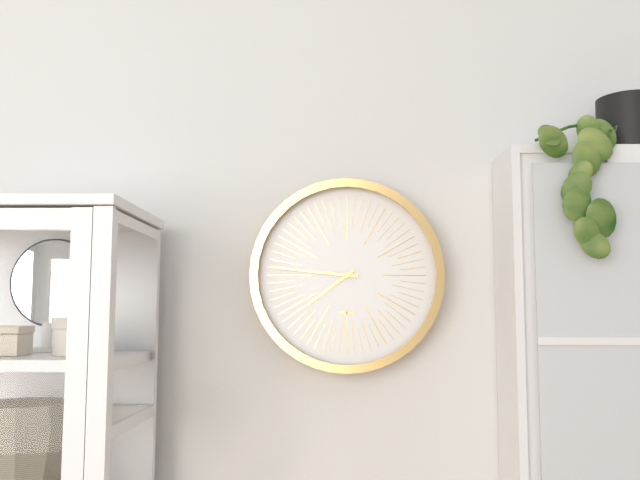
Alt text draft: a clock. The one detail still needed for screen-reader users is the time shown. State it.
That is 7:46
